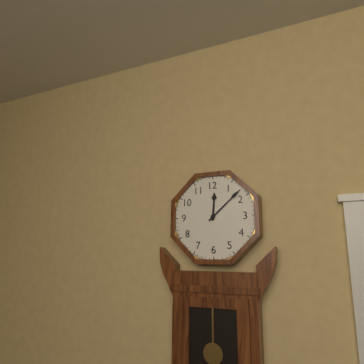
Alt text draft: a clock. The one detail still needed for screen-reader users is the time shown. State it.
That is 12:08
